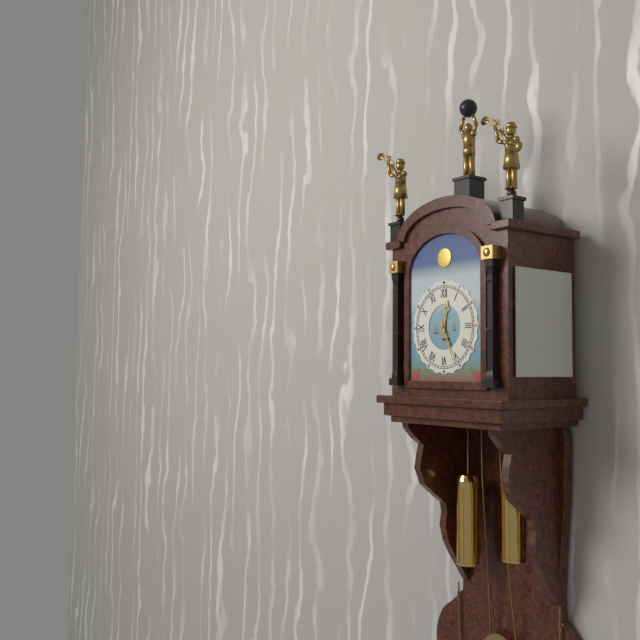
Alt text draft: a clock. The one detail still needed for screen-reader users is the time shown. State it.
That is 12:26
